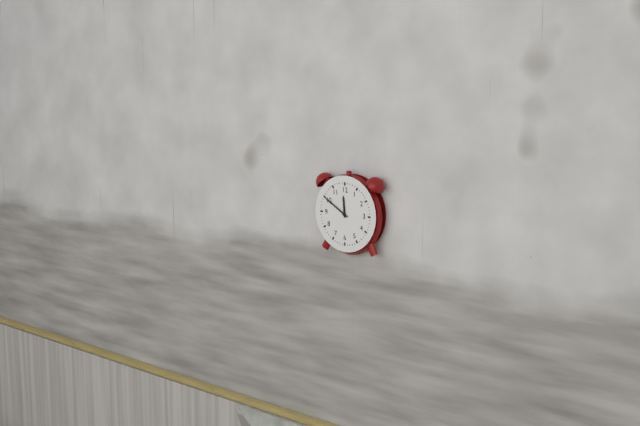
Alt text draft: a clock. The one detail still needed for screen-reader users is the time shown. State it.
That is 11:50
